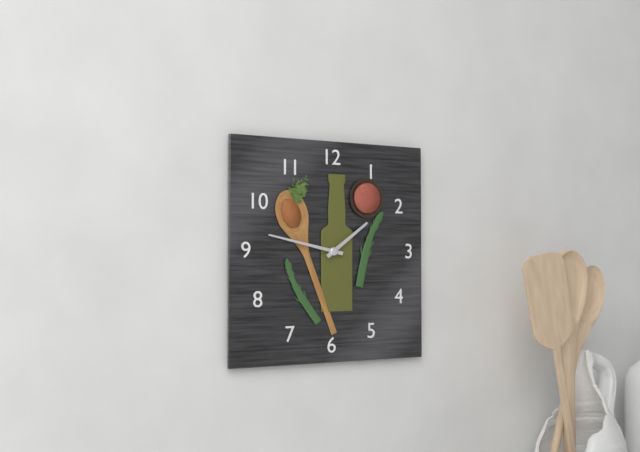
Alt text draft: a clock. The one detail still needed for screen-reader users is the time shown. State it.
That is 1:47
